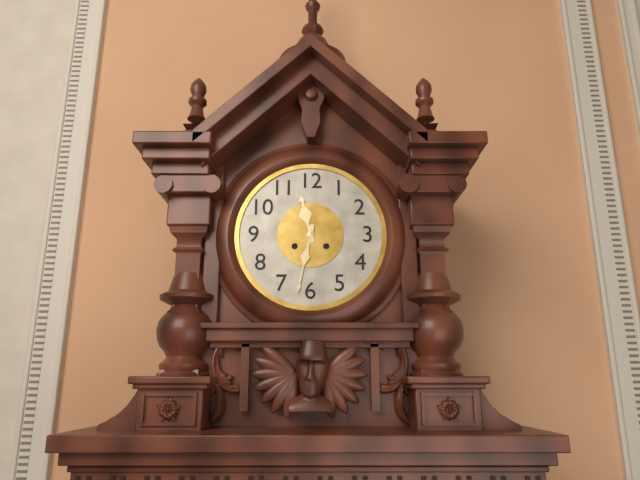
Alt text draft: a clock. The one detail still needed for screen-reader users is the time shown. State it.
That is 11:32
